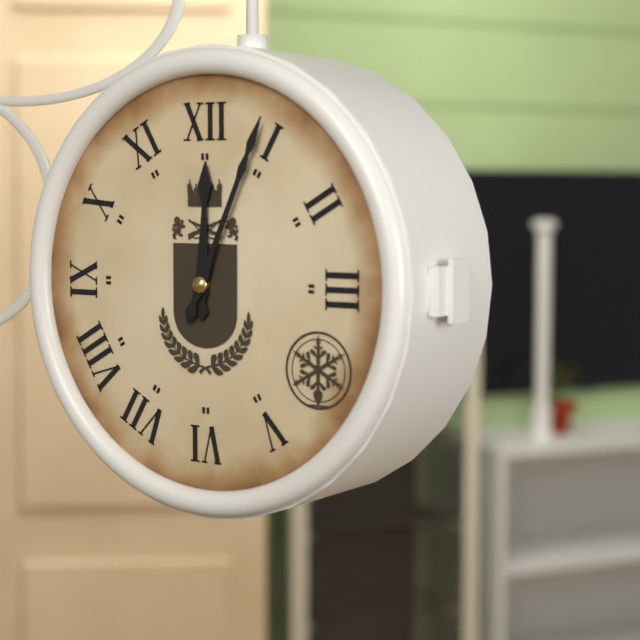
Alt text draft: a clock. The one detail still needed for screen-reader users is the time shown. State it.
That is 12:04
